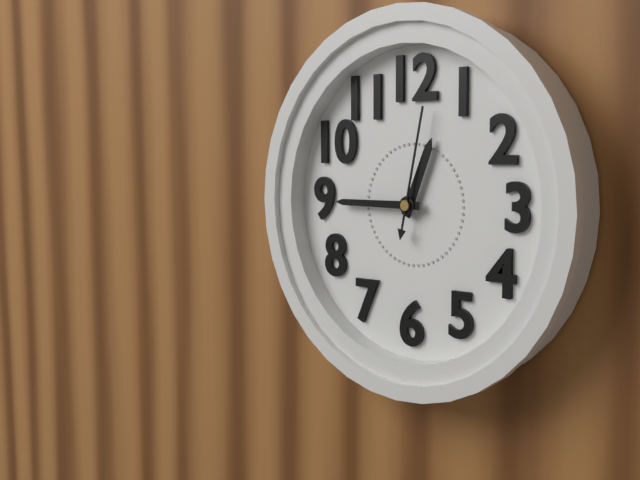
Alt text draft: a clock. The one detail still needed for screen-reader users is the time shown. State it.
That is 12:45:02
